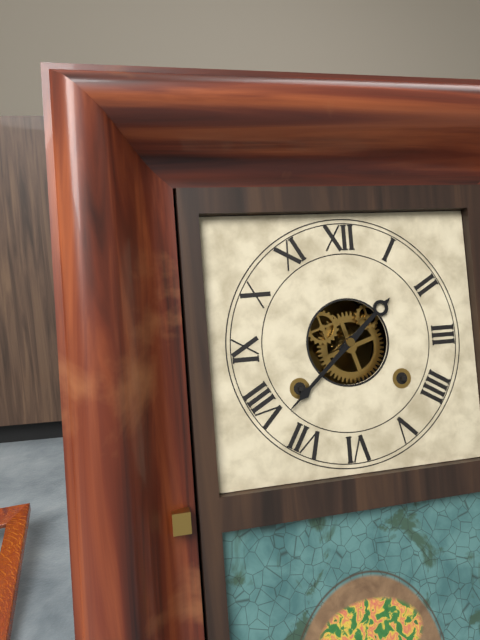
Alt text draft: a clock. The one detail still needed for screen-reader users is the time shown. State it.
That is 1:38
